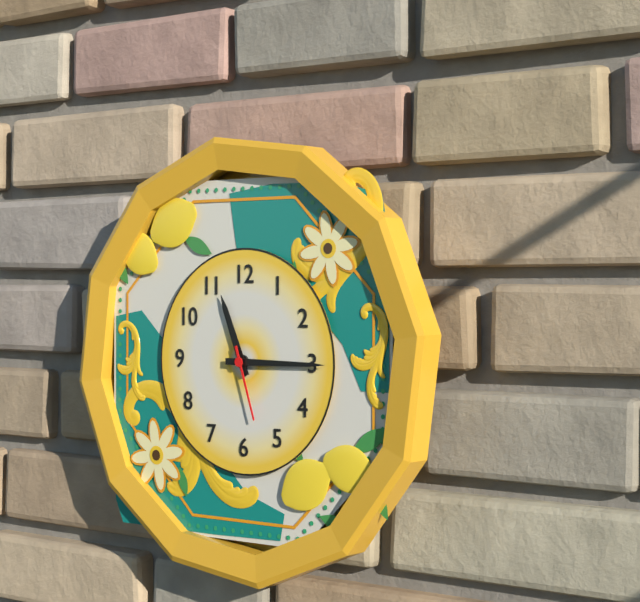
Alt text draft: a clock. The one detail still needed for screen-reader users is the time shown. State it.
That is 11:15:27
